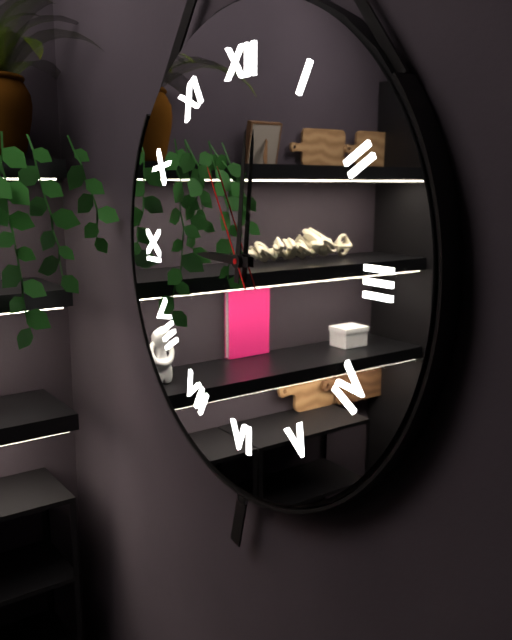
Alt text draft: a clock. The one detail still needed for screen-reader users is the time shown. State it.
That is 9:01:55
